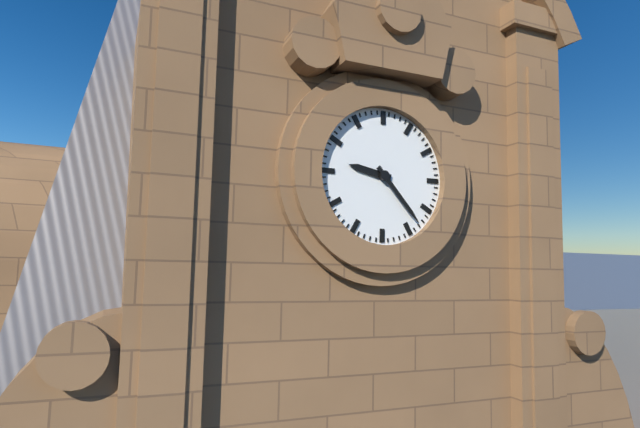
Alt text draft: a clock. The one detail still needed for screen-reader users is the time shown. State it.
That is 9:23
